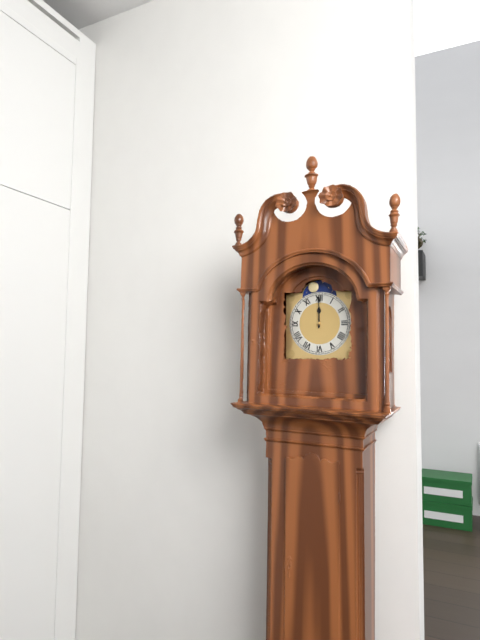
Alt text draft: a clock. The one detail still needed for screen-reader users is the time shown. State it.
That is 12:00
